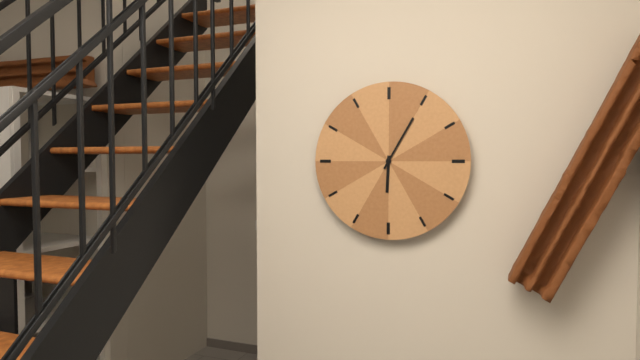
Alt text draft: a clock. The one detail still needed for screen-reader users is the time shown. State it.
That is 6:05
